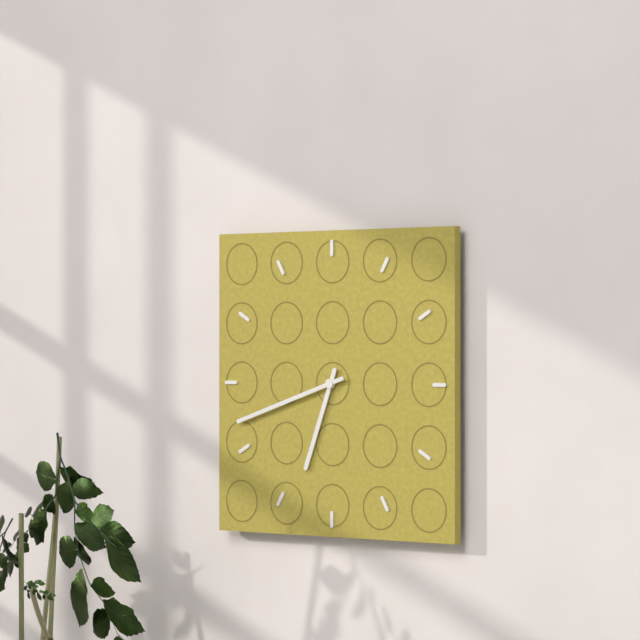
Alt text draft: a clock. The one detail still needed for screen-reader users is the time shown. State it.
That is 6:42
